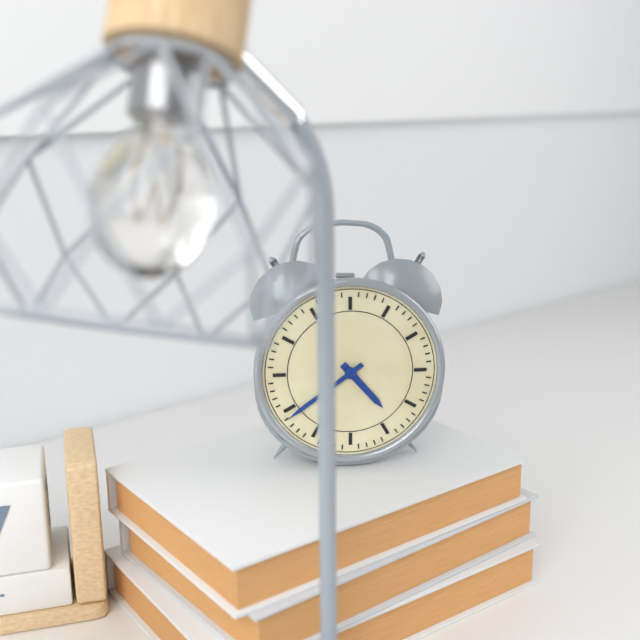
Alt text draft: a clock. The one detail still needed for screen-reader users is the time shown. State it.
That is 4:39
